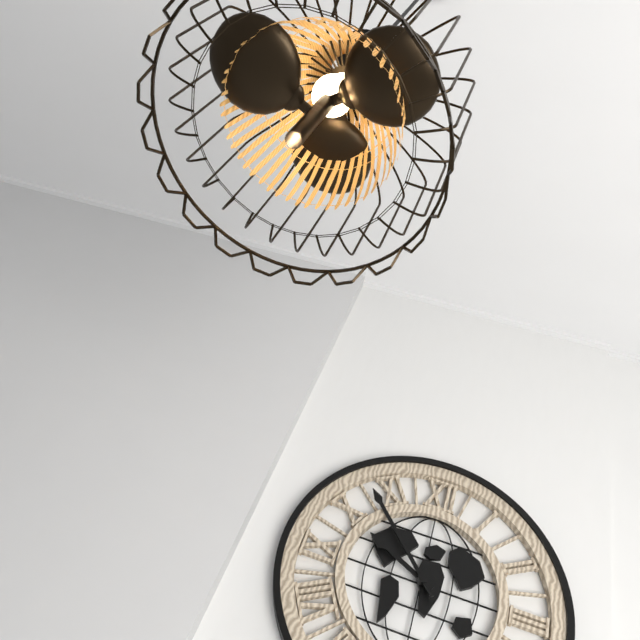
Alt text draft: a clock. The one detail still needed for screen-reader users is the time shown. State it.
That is 9:53
